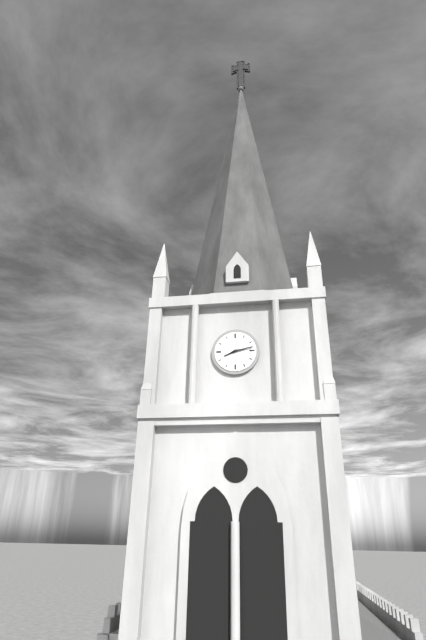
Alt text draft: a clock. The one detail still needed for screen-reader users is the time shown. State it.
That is 8:13
